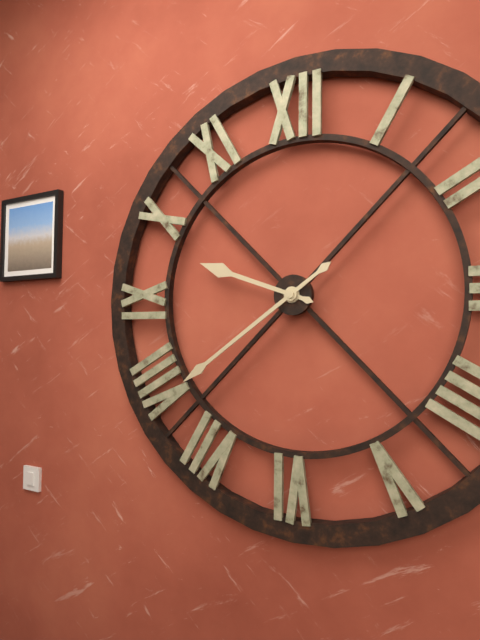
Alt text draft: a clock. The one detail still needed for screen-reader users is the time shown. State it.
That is 9:39
